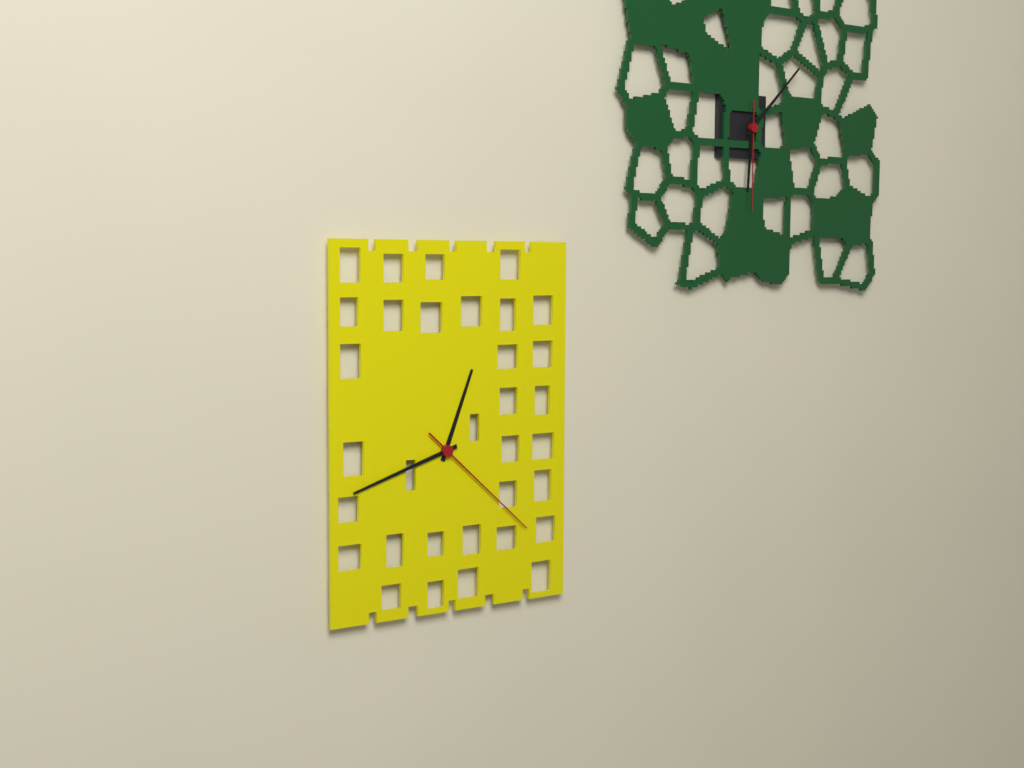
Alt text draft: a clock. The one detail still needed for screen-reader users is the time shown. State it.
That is 12:42:22
